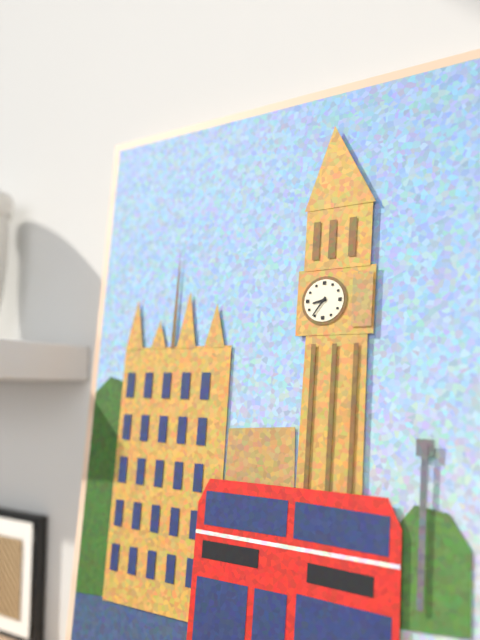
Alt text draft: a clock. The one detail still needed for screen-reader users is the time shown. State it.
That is 8:36
